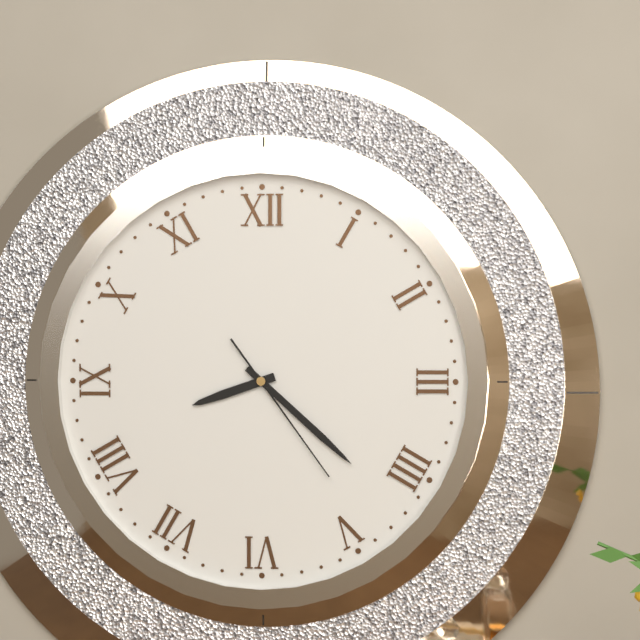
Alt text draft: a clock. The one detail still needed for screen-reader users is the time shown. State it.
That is 8:22:24
